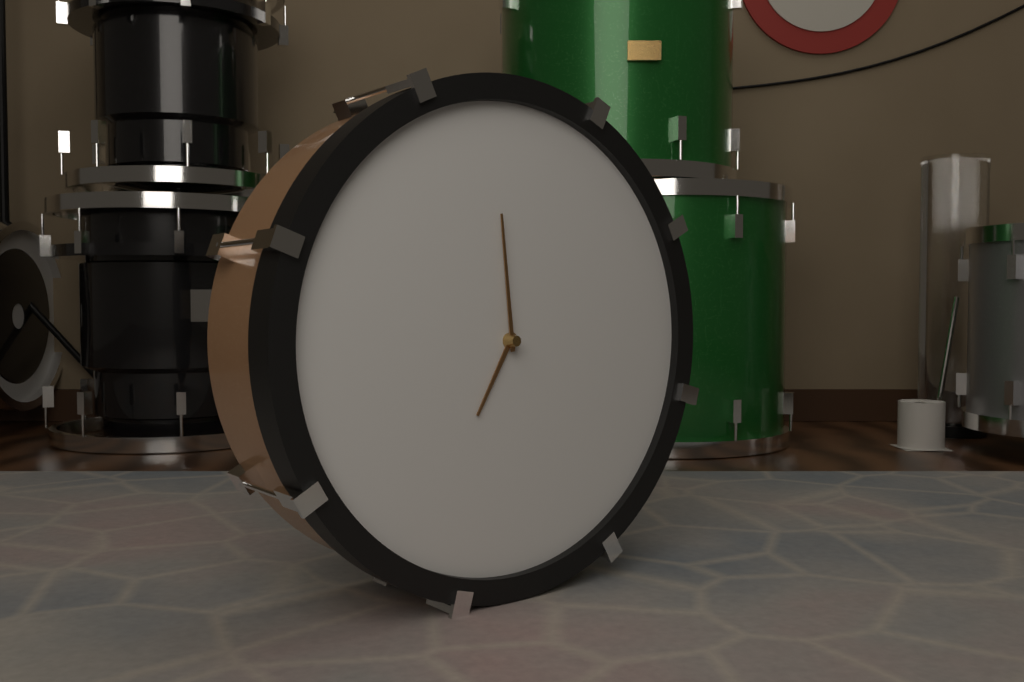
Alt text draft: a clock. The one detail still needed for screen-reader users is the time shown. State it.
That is 6:59
